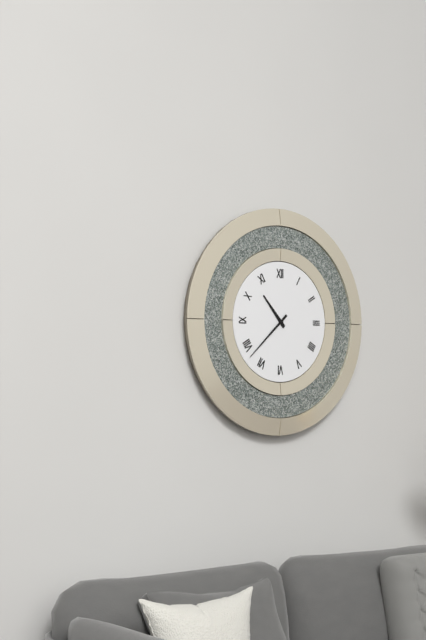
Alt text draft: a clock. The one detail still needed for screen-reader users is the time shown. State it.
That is 10:38
